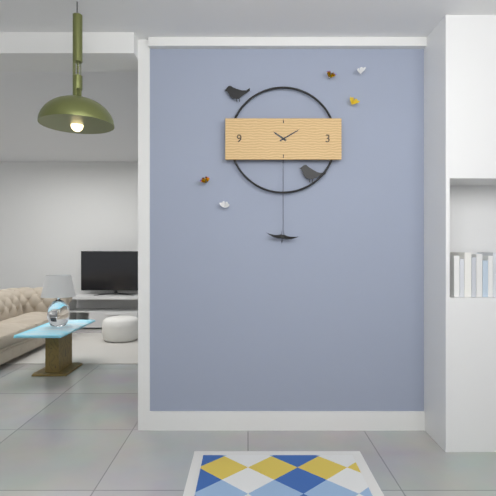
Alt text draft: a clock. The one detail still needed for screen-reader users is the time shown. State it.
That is 10:10
